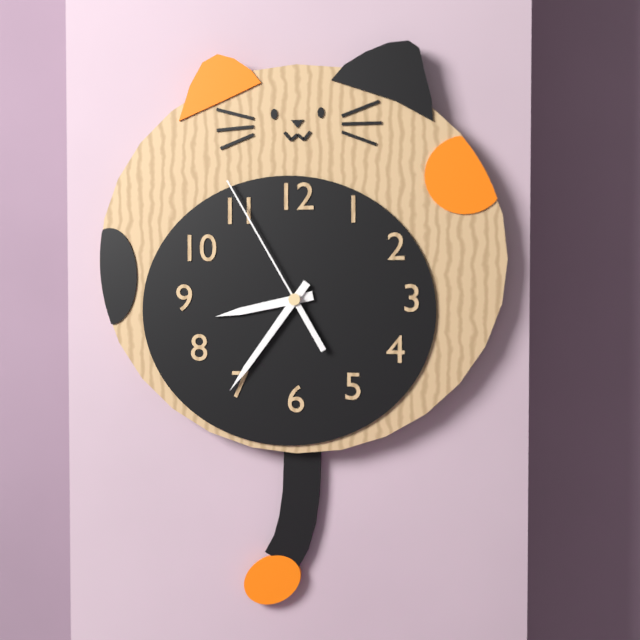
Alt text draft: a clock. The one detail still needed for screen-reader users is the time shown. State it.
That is 8:36:55
